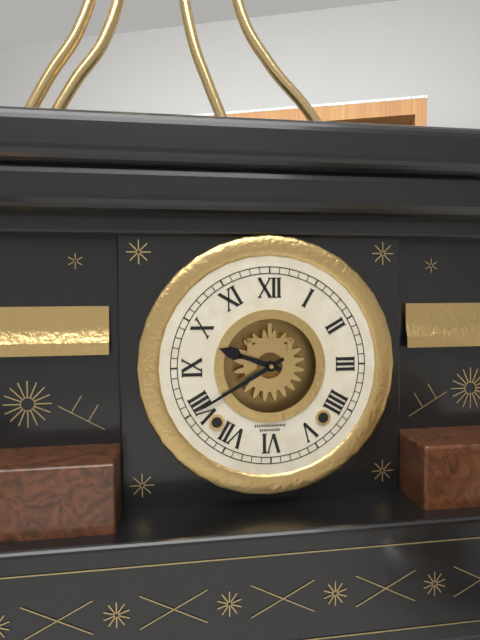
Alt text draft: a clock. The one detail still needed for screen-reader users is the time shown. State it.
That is 9:40
